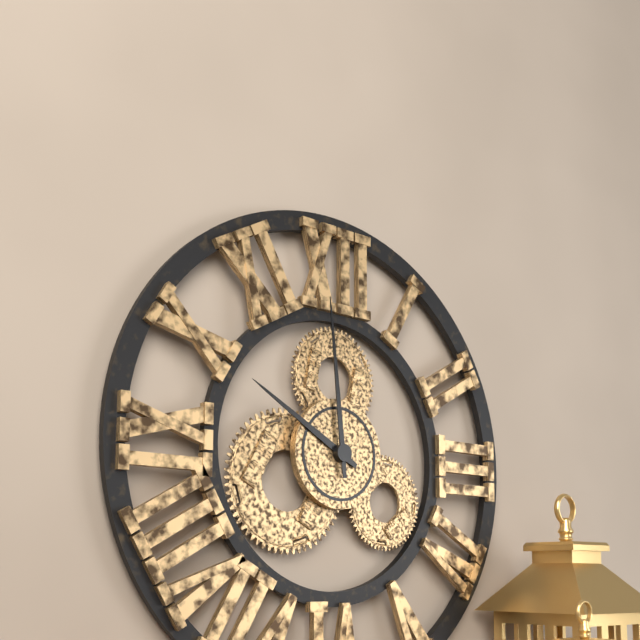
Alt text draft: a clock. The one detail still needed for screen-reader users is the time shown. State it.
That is 9:59
